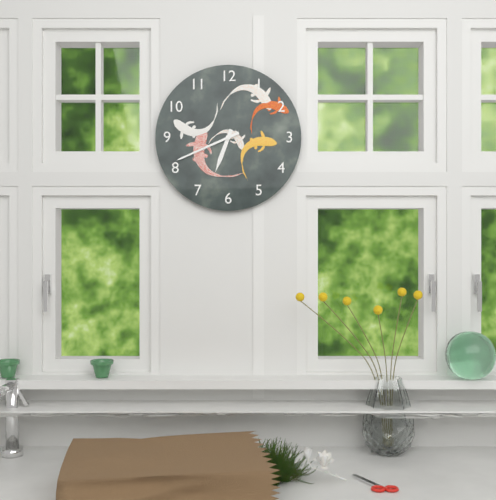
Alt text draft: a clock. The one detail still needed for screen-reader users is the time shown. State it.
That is 6:41
